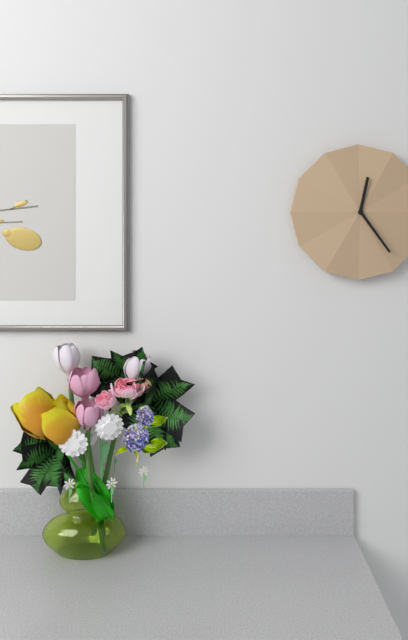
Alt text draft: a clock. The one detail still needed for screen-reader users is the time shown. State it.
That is 12:24
